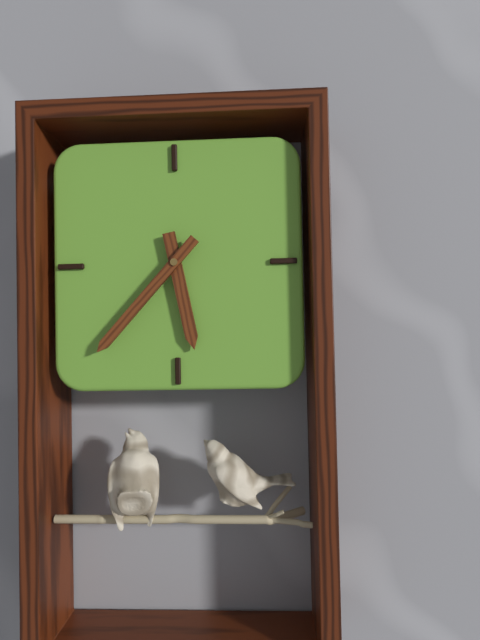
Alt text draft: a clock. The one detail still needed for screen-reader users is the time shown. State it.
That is 5:37
